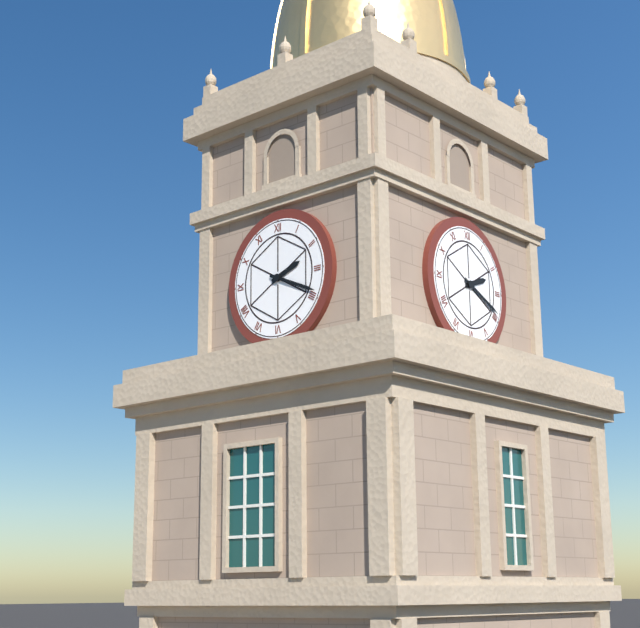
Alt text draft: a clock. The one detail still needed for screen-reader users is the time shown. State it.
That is 2:19
